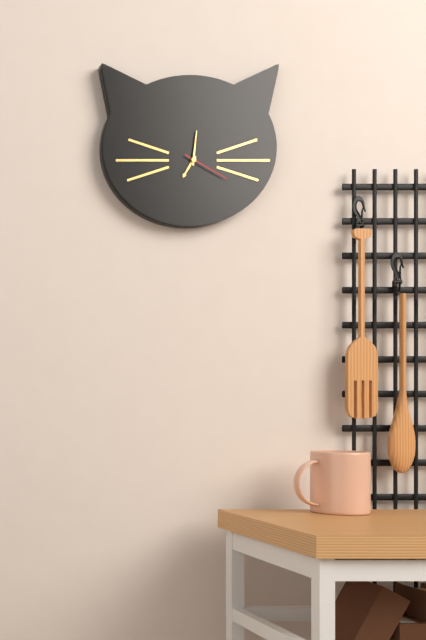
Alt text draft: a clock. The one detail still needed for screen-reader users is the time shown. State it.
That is 7:01:20
